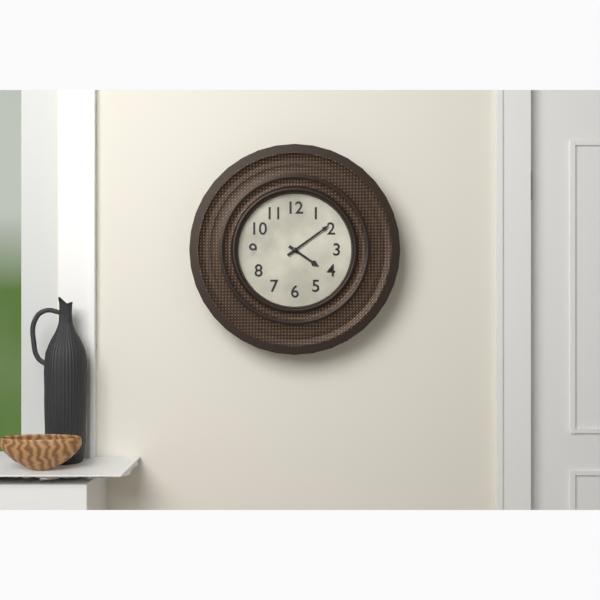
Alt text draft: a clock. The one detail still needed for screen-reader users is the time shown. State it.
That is 4:09
